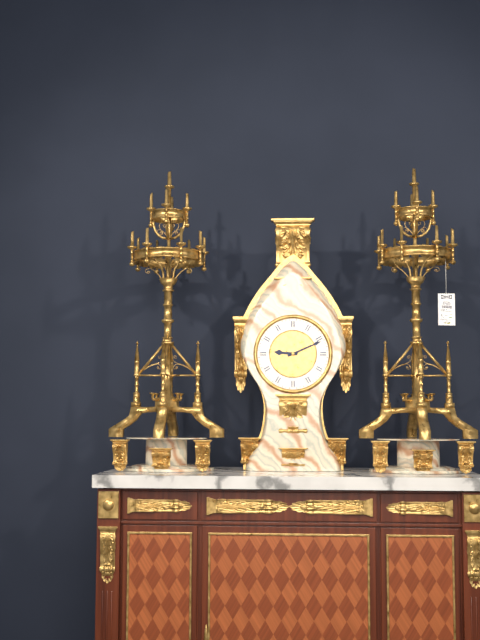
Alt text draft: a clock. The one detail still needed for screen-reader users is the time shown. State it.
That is 9:11
